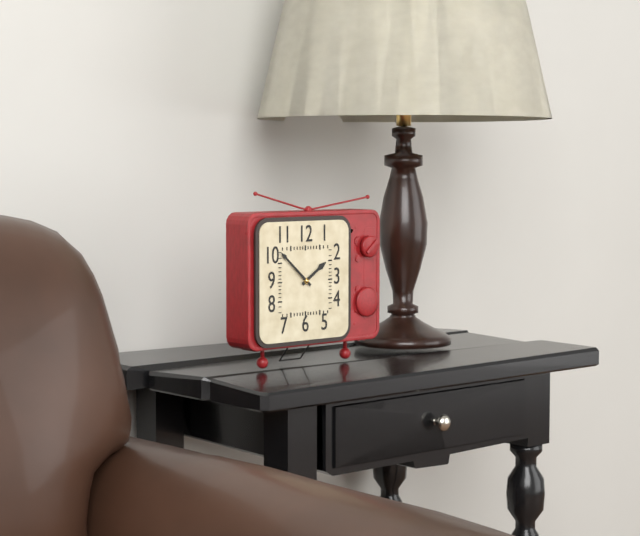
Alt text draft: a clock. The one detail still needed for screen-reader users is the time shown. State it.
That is 1:52
